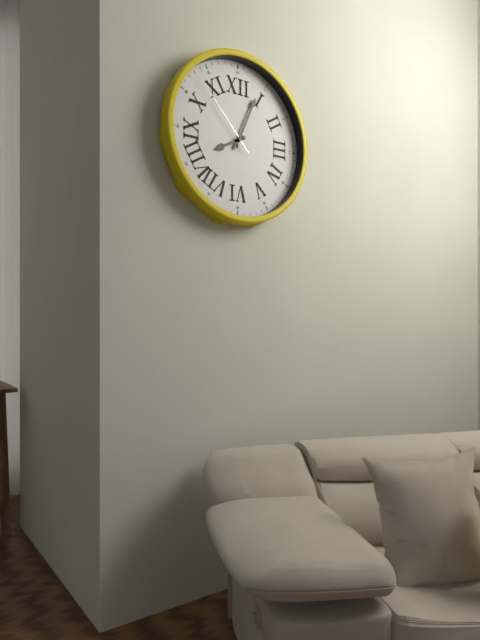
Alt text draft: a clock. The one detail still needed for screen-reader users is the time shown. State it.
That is 8:04:53
